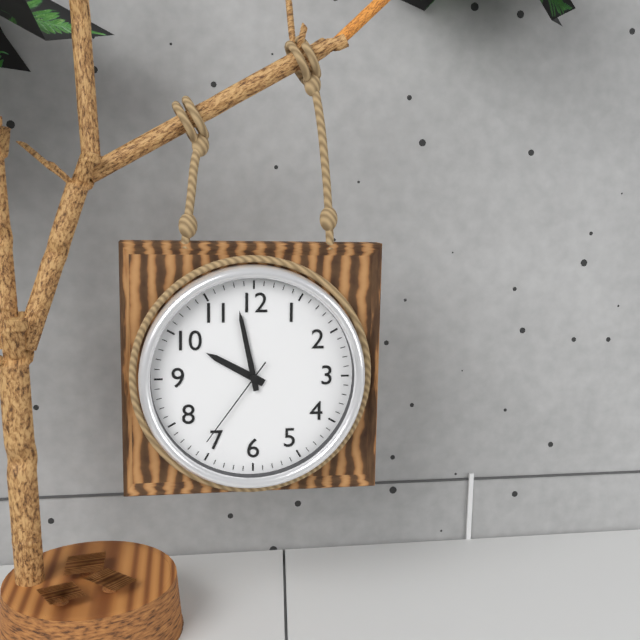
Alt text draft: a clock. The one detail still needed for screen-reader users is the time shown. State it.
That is 9:58:36
